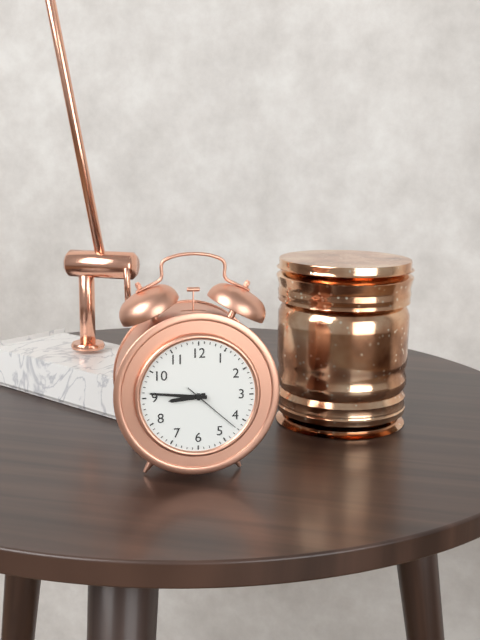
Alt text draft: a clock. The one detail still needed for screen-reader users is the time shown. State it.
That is 8:46:22
